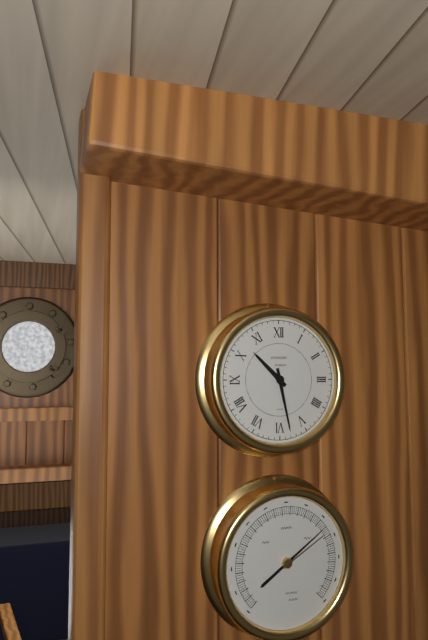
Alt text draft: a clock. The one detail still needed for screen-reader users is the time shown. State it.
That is 10:28
